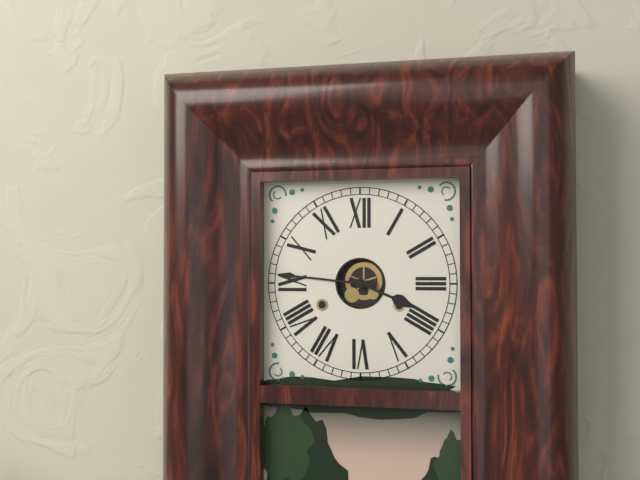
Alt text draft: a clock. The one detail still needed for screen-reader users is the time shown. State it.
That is 3:46
